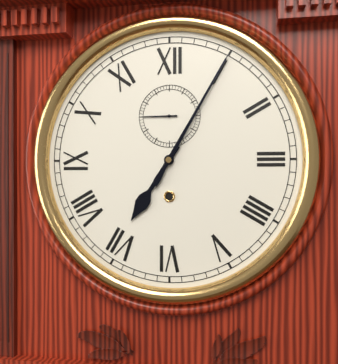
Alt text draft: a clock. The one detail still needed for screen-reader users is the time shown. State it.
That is 7:05
